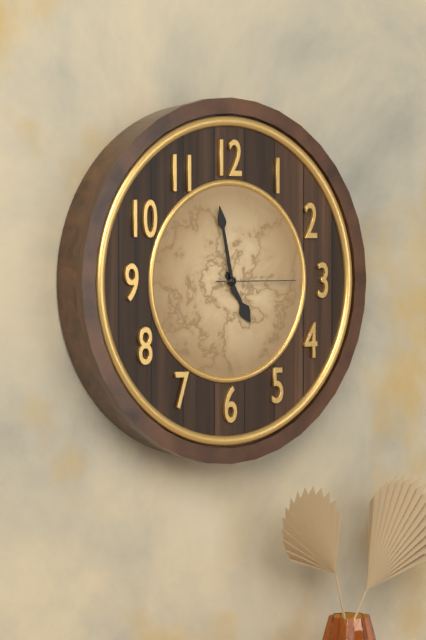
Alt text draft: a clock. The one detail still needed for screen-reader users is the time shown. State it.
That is 4:58:15
